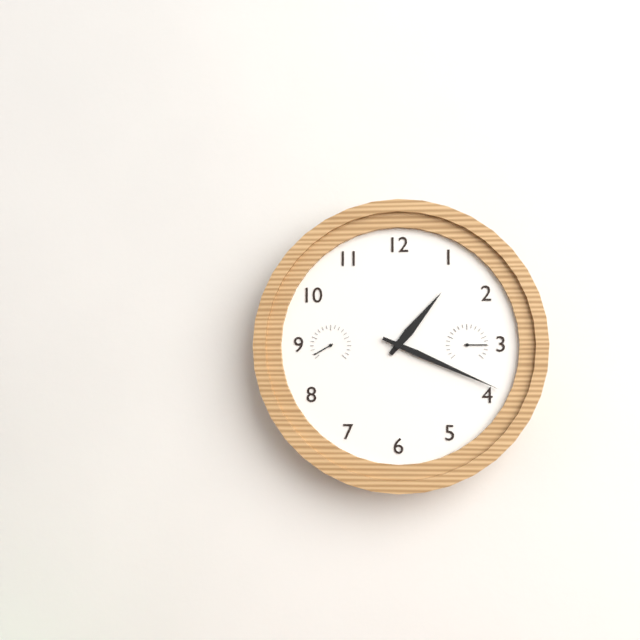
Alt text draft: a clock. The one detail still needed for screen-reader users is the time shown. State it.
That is 1:19
